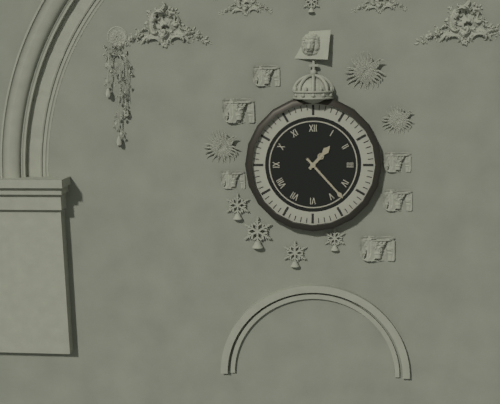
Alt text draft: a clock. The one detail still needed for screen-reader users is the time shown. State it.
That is 1:23
